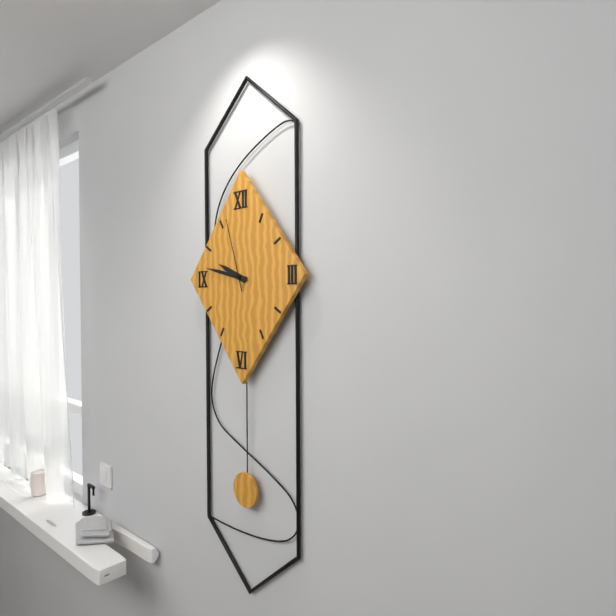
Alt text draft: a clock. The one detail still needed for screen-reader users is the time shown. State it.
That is 9:47:57
